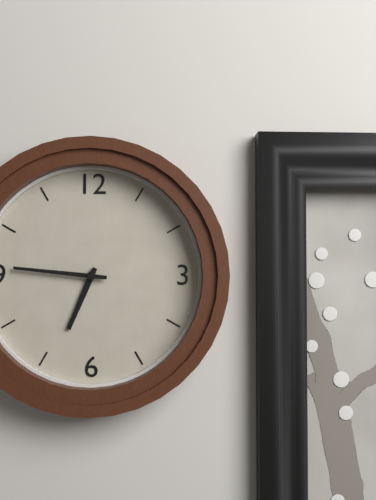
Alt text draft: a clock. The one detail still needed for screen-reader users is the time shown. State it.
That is 6:46
